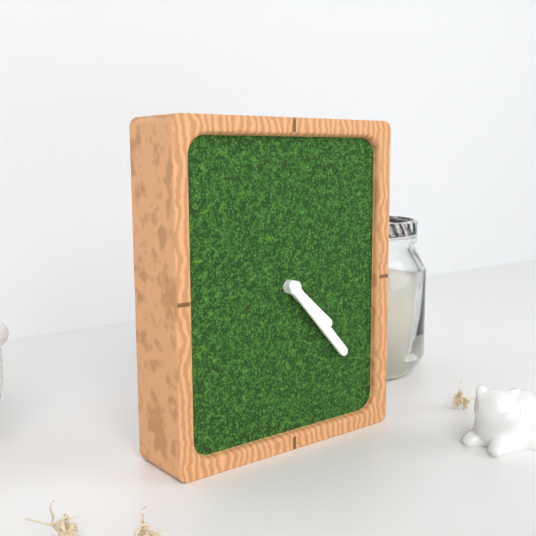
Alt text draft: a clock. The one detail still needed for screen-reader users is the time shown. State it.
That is 4:23
